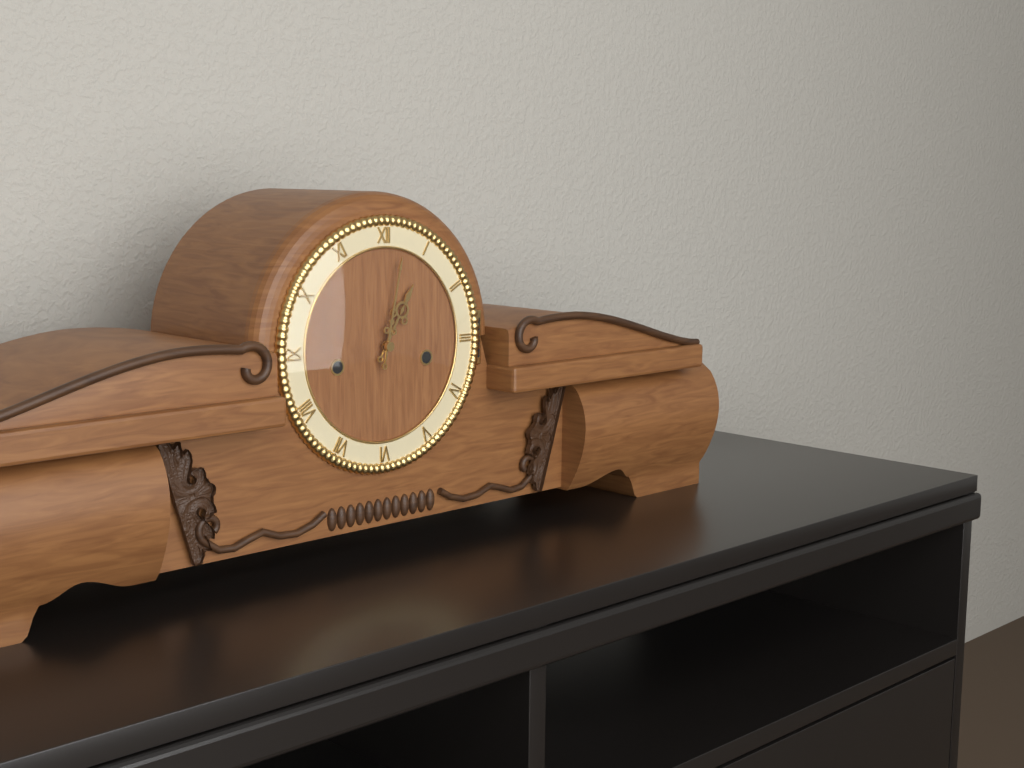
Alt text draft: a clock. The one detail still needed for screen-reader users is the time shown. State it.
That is 1:02
